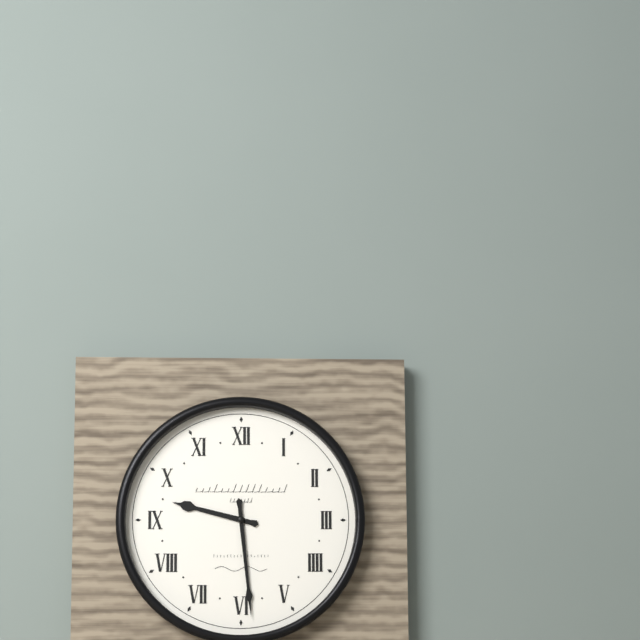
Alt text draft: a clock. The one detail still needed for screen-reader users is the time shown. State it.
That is 9:29
